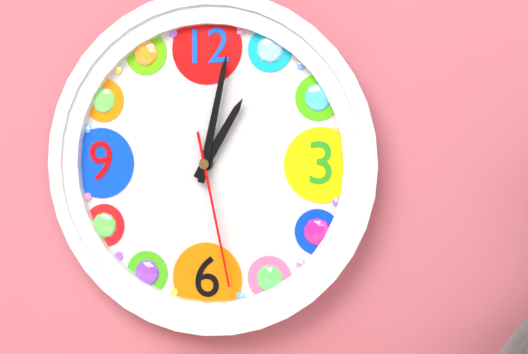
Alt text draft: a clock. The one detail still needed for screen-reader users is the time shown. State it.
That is 1:02:28
